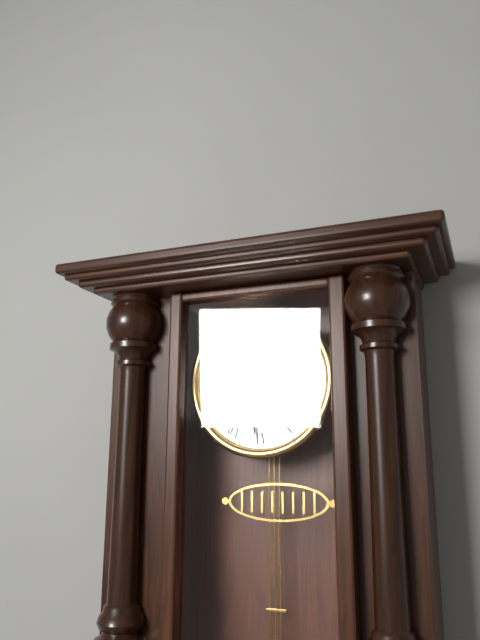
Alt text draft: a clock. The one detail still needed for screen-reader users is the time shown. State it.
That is 1:31
